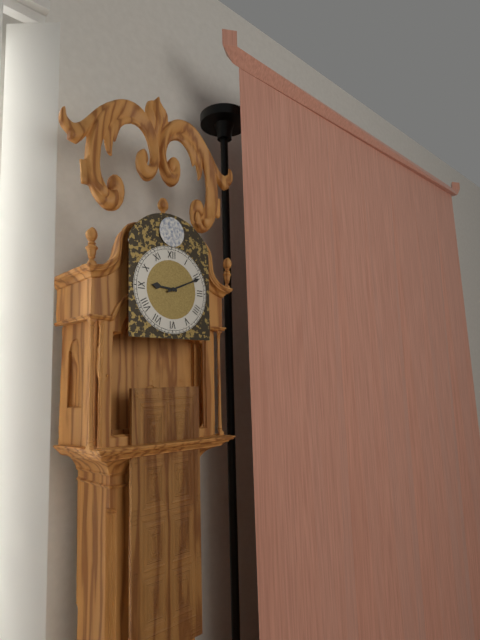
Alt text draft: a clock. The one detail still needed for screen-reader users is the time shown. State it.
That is 9:11
